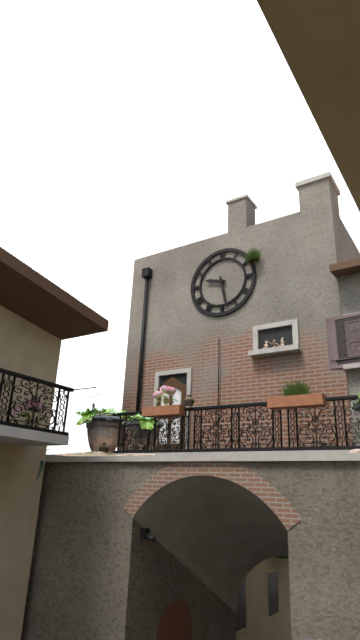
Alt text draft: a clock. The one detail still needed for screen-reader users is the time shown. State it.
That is 9:28
